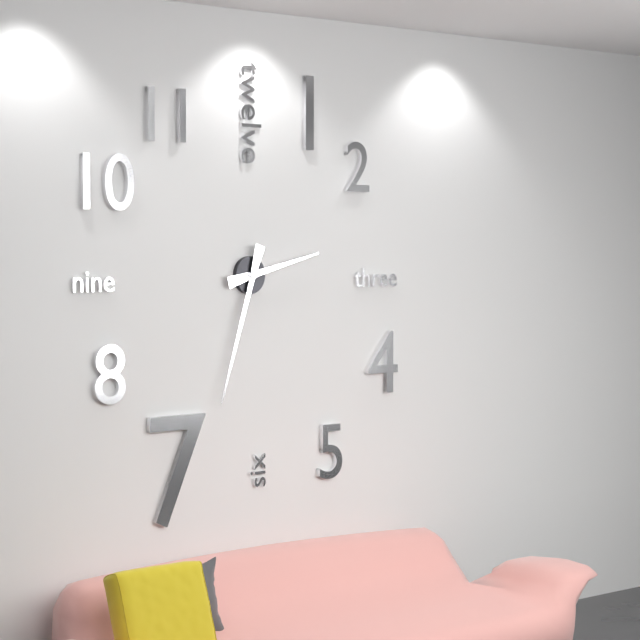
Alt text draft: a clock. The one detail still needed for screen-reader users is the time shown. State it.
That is 2:33
